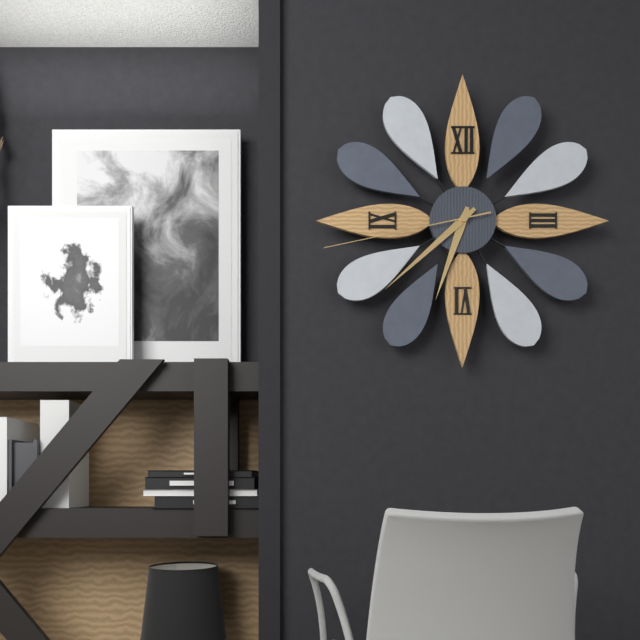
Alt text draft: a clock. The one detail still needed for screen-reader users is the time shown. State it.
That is 6:38:43
